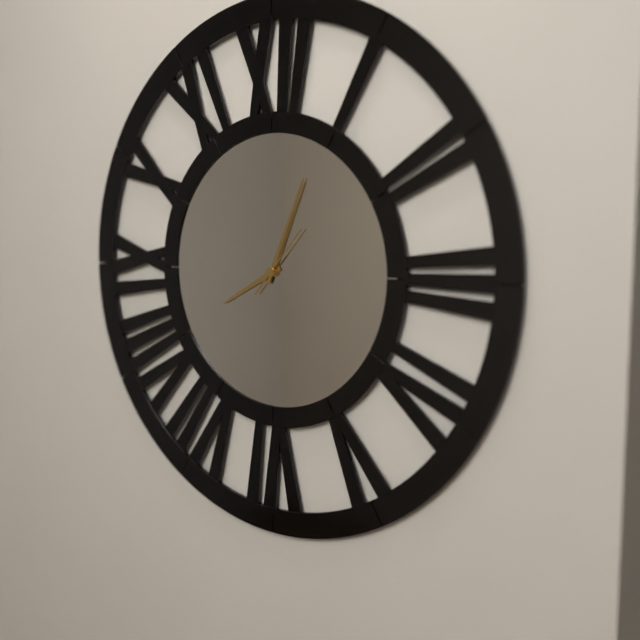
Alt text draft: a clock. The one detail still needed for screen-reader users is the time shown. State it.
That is 8:04:07
